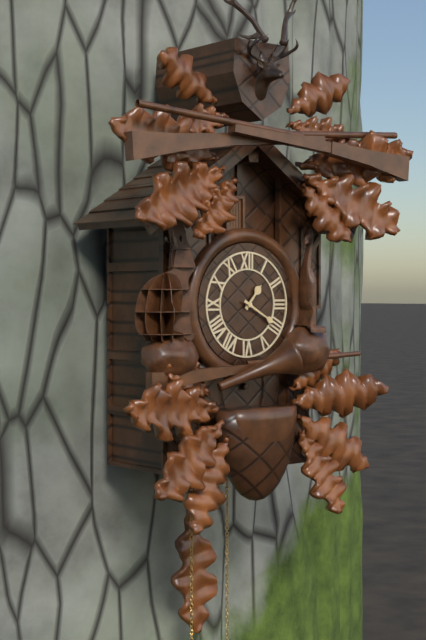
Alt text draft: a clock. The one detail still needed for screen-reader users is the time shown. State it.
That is 1:20
